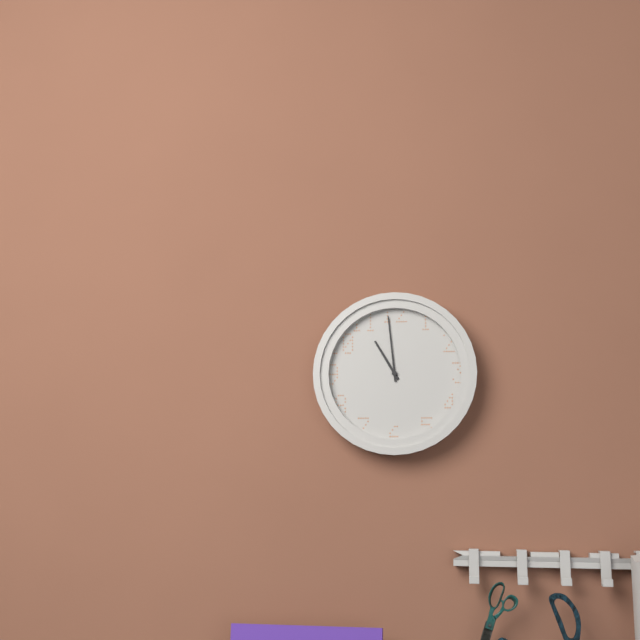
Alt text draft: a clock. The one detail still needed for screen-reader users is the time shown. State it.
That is 10:59
